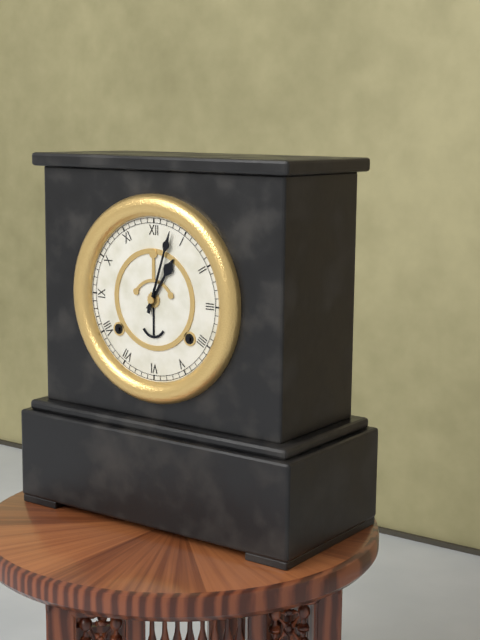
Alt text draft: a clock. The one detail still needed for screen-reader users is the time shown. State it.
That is 1:03
